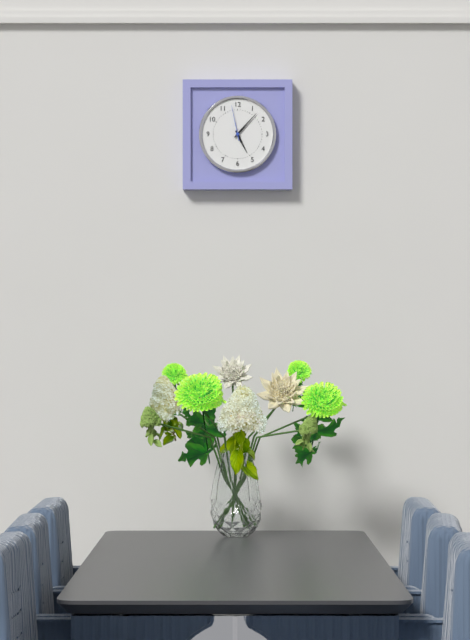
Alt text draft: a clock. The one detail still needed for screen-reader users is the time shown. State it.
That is 5:07
